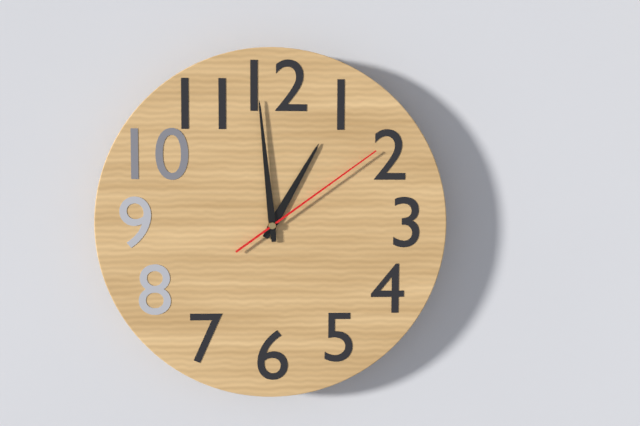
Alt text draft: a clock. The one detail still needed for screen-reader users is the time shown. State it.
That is 12:59:09
